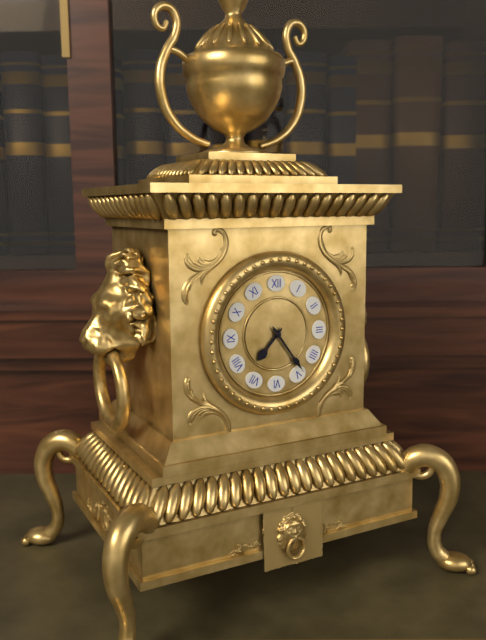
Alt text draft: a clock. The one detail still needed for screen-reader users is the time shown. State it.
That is 7:24
